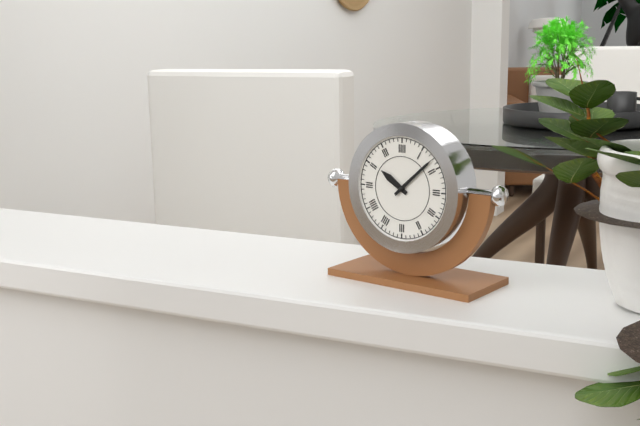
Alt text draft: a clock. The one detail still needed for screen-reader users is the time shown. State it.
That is 10:08
